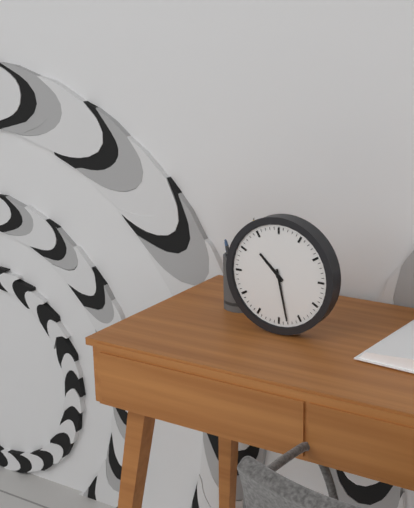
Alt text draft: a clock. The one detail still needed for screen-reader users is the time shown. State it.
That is 10:28
